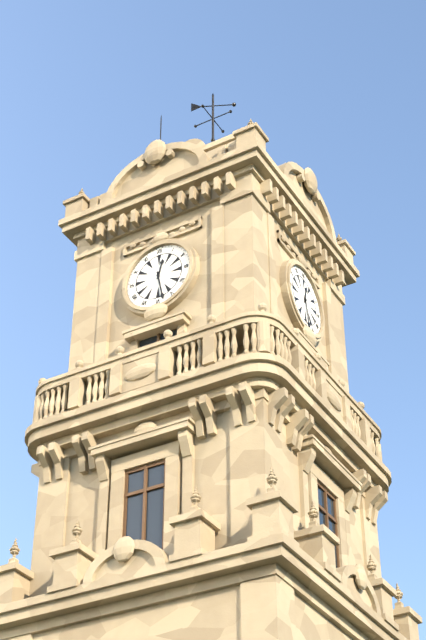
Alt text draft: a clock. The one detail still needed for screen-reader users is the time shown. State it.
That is 12:28
